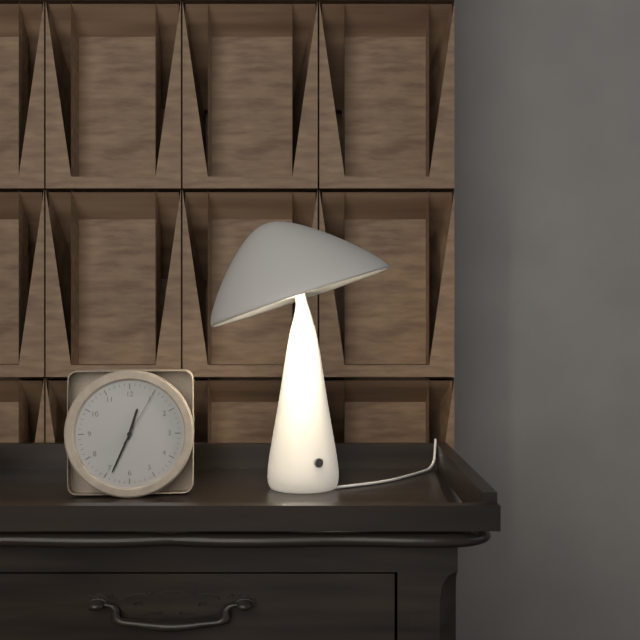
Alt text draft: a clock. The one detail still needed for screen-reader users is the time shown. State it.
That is 12:34:05
